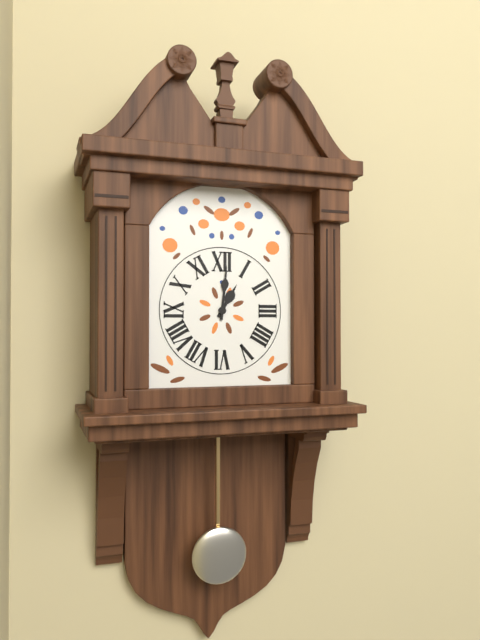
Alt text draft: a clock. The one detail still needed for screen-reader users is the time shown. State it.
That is 1:01
